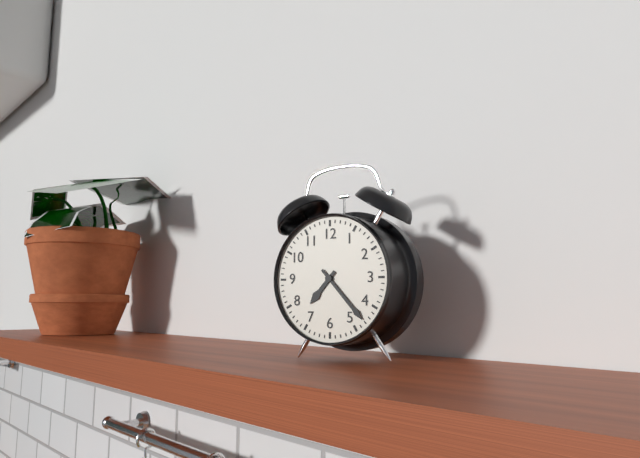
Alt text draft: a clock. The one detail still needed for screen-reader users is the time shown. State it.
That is 7:23
